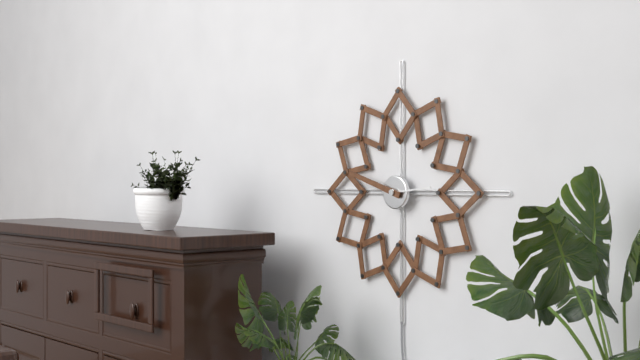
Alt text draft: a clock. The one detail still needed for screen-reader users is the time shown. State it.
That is 2:48
